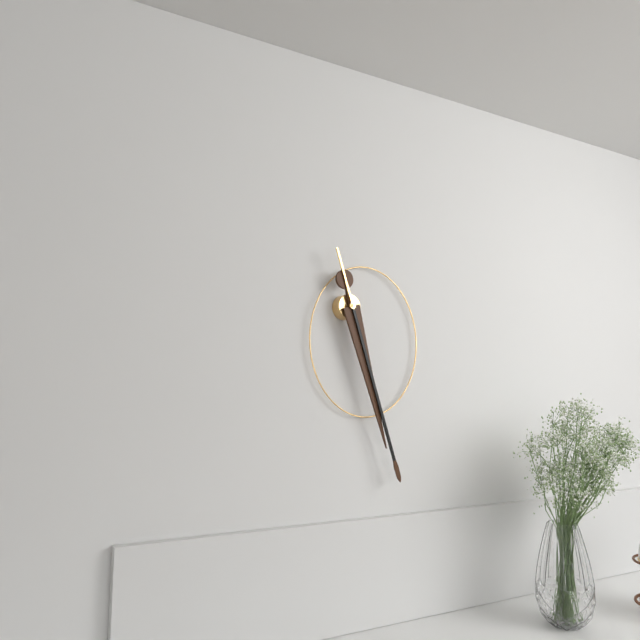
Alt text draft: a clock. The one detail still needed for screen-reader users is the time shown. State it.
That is 5:27
